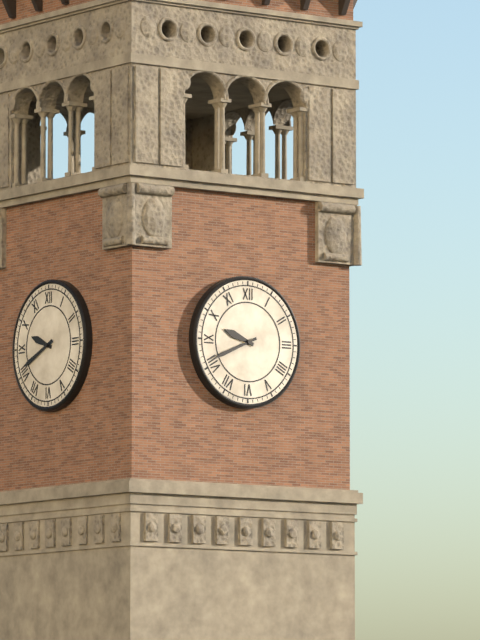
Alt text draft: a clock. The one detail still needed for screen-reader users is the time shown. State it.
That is 9:41
